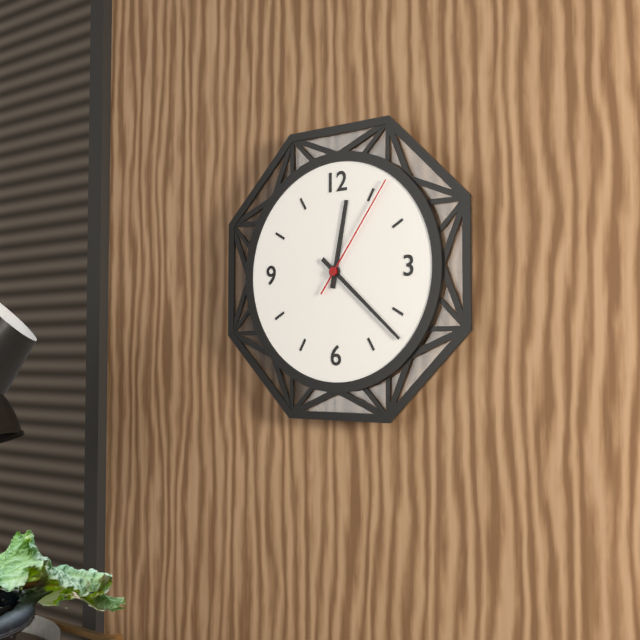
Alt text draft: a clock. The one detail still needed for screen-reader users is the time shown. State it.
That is 12:22:06
